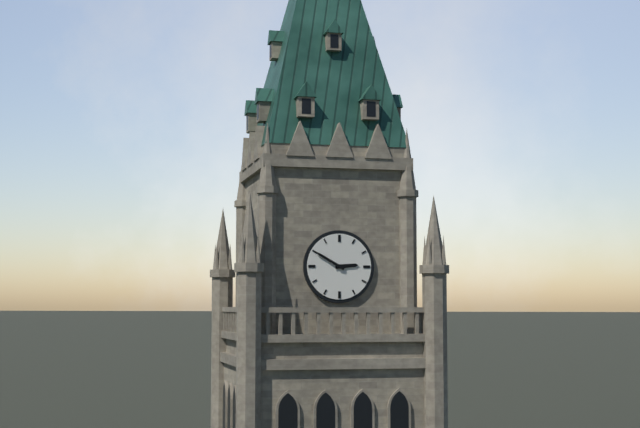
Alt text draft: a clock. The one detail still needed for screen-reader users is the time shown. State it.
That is 2:50
